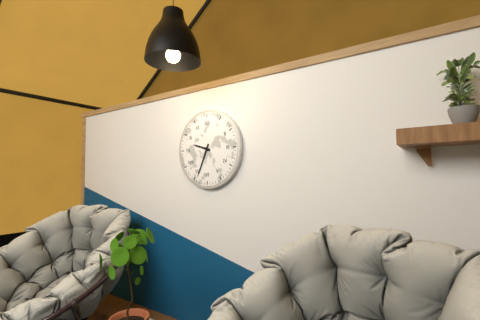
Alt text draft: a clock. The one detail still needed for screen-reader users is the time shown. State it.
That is 9:34
